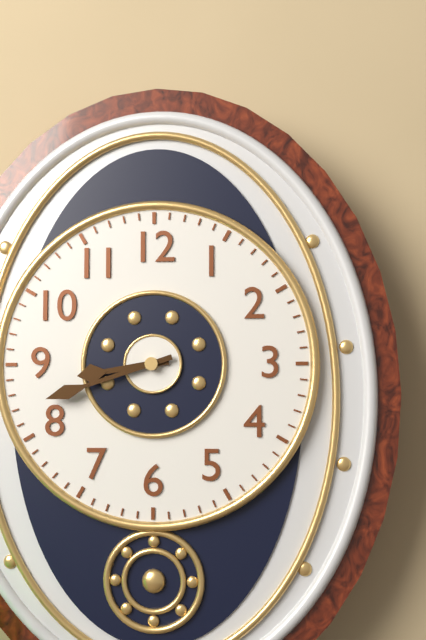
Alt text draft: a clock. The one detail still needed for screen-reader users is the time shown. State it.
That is 8:42
